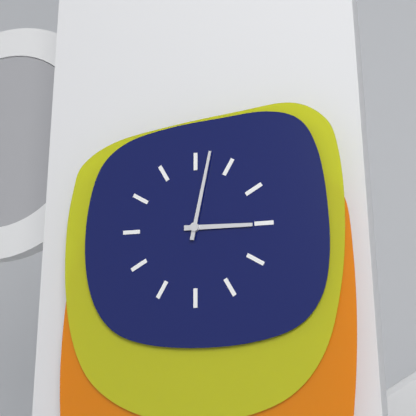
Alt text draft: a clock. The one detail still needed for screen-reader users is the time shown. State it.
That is 3:02
